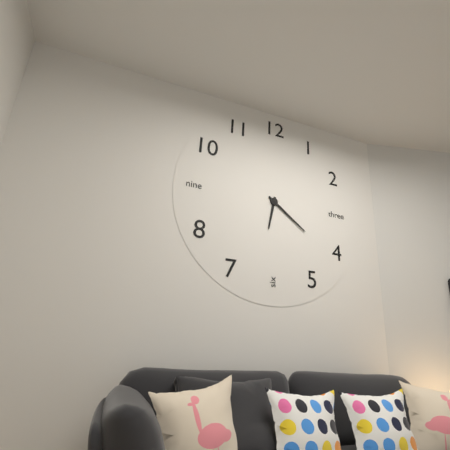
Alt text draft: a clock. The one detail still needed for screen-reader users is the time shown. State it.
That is 6:21
